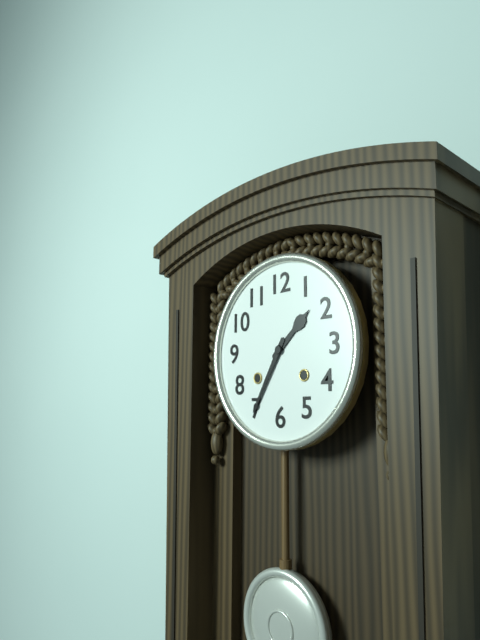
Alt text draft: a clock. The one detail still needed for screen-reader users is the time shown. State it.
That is 1:35
